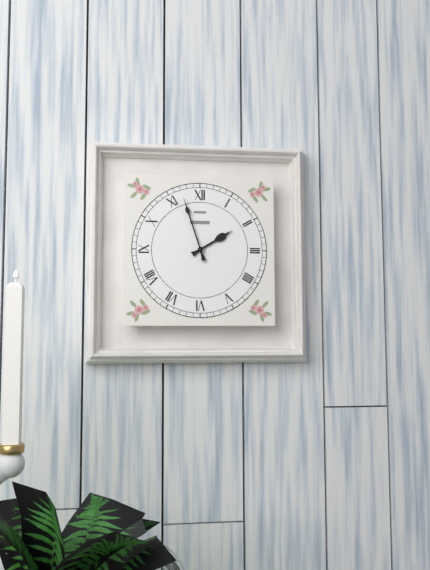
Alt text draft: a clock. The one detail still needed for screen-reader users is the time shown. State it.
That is 1:57
